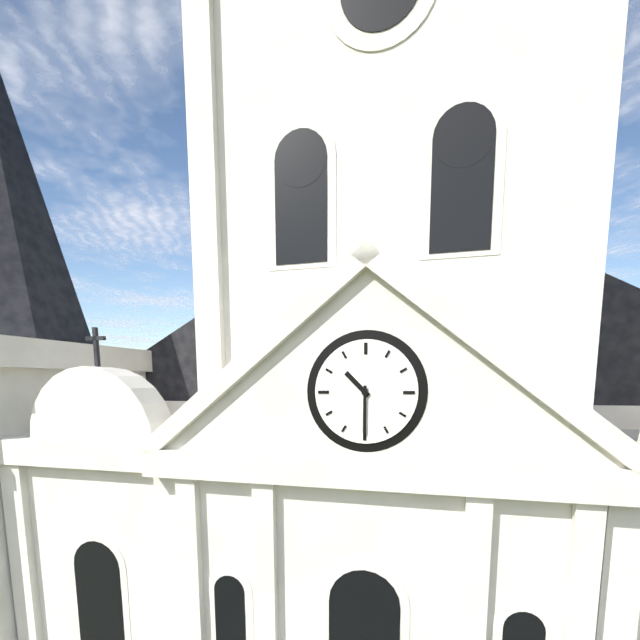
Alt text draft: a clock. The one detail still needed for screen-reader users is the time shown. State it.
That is 10:30
